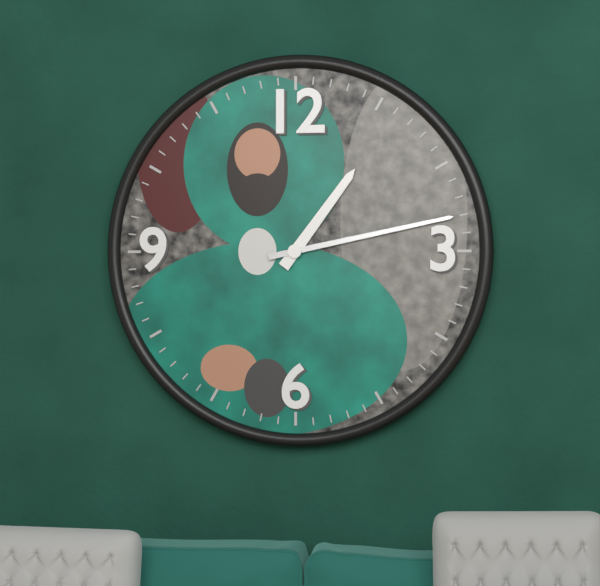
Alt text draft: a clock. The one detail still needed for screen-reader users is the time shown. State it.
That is 1:13
